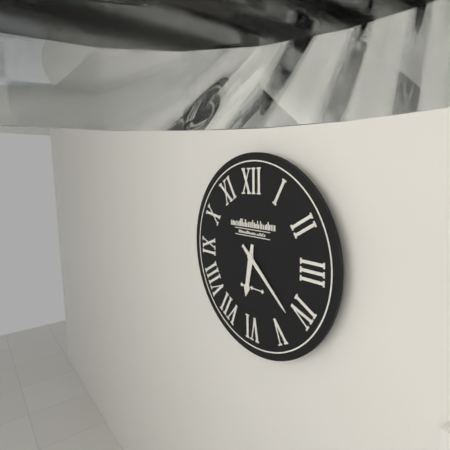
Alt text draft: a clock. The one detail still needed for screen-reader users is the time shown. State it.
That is 6:22
